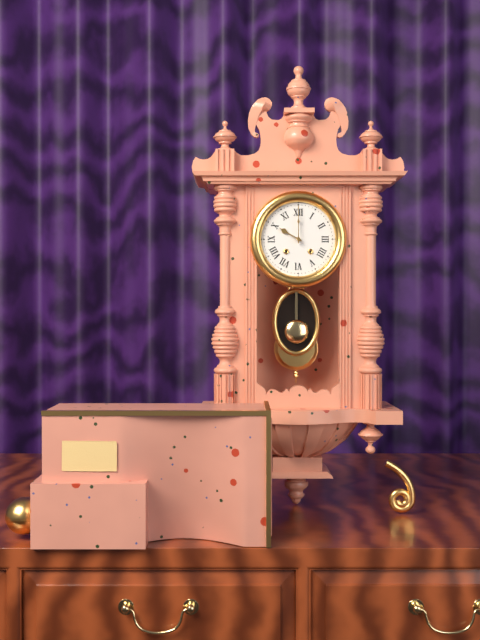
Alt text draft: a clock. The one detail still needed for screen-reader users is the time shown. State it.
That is 10:00
